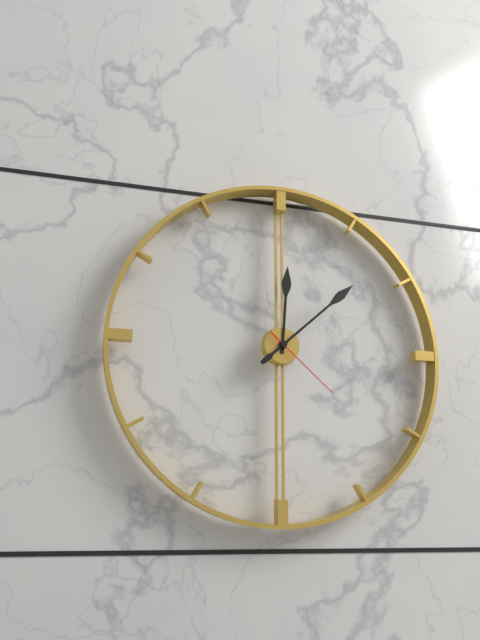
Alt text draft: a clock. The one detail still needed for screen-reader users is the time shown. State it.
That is 12:08:22
